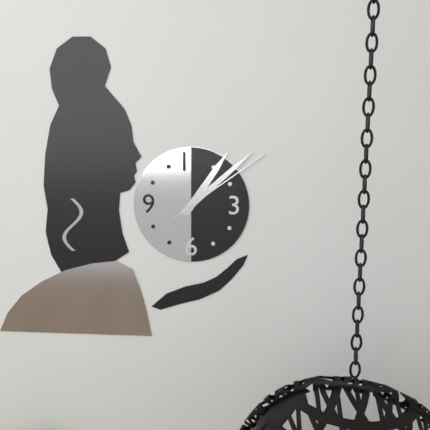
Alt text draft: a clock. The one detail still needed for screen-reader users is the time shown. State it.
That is 1:08:09
